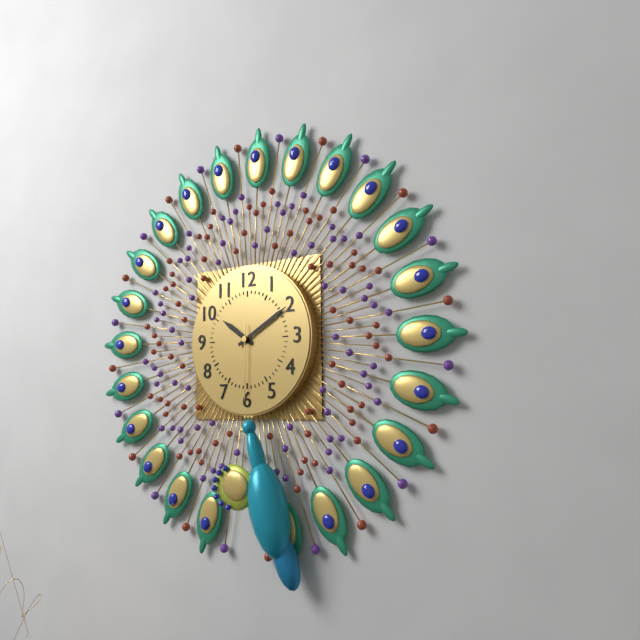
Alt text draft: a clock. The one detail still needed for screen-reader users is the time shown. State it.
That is 10:10:30
